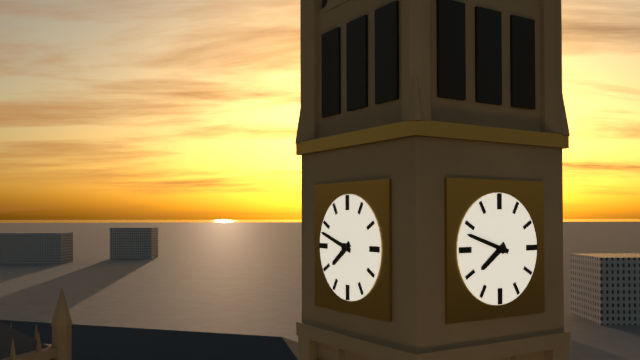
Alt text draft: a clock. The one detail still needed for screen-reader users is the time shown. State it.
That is 7:48
